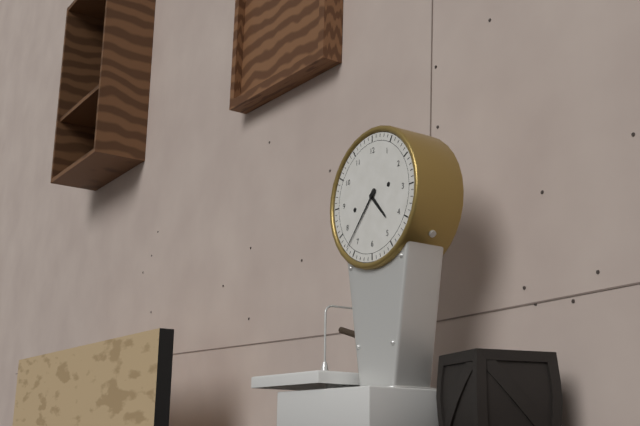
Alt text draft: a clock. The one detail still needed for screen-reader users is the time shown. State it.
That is 4:37
